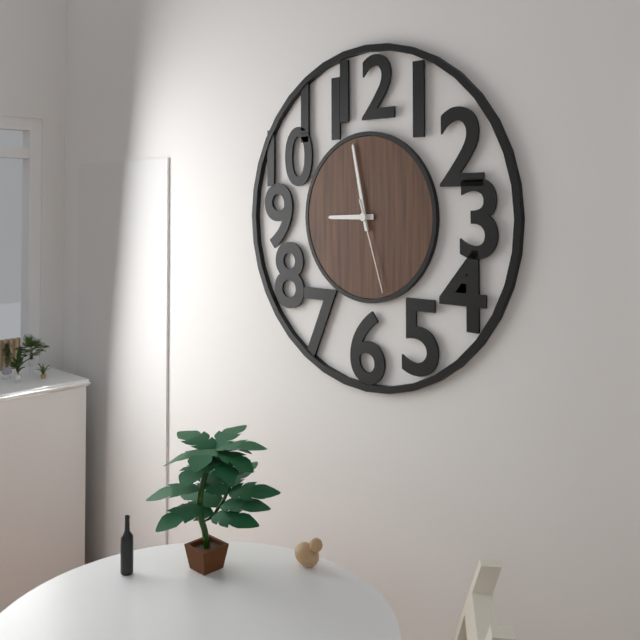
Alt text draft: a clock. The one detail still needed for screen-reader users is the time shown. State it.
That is 8:58:27
